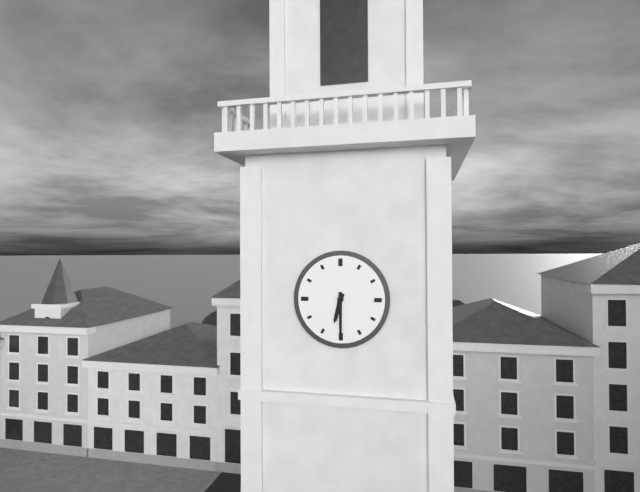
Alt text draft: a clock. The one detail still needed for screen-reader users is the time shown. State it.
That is 6:30
